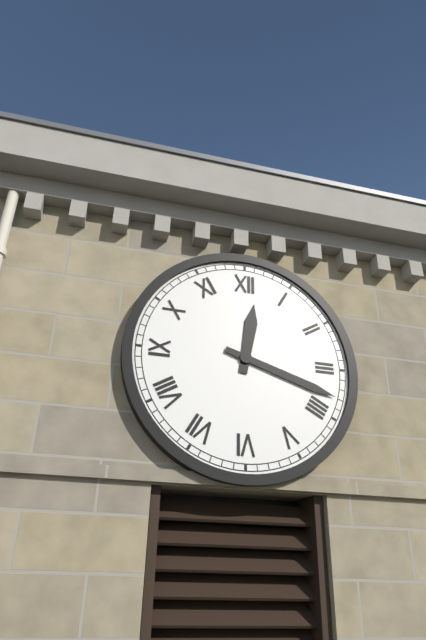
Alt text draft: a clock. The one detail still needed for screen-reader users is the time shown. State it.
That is 12:18
